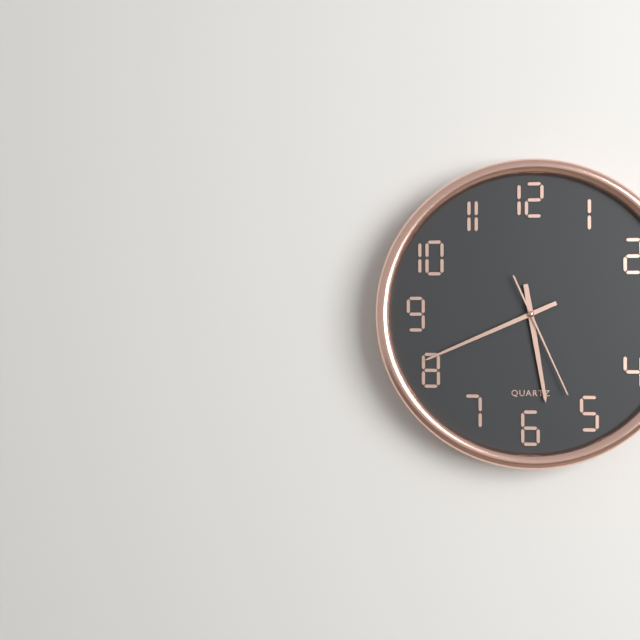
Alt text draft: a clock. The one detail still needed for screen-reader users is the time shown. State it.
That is 5:41:26
